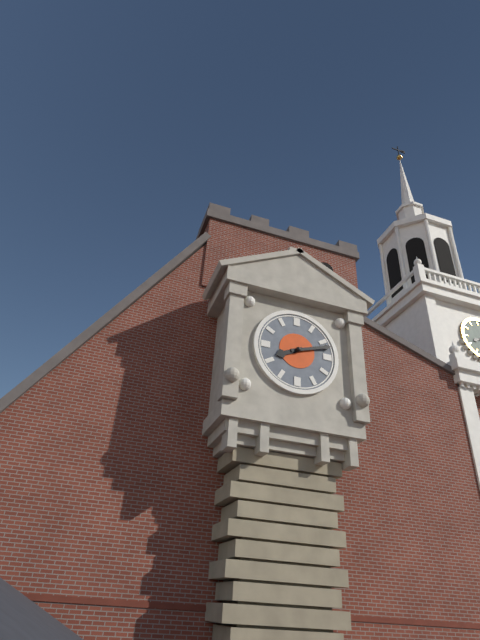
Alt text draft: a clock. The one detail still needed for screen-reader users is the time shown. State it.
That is 8:12
